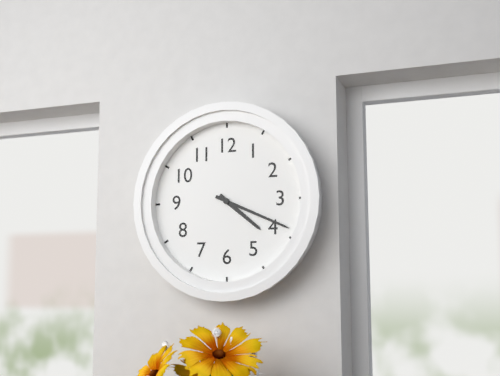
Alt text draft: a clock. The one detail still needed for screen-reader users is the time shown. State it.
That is 4:19
